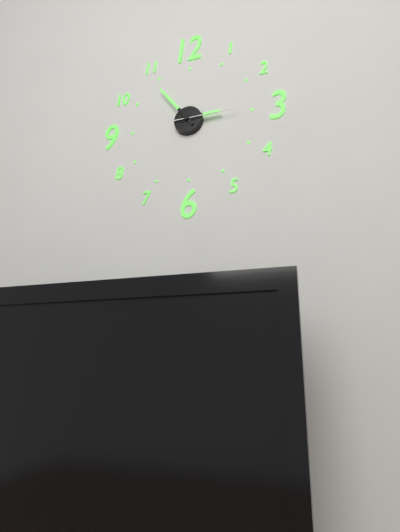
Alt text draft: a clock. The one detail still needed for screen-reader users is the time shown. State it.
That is 2:54:15
